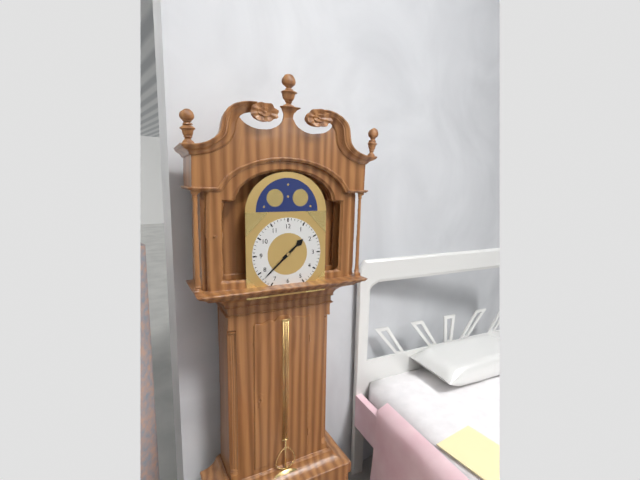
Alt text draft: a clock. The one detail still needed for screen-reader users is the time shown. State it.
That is 1:38
